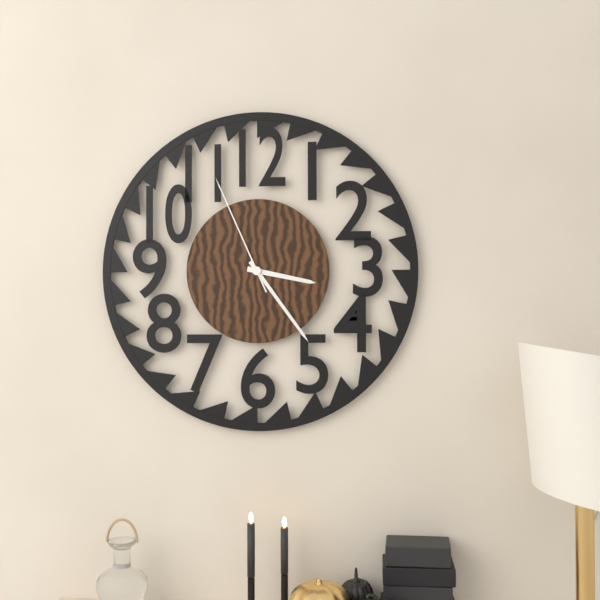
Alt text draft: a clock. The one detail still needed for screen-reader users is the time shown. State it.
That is 3:24:56
